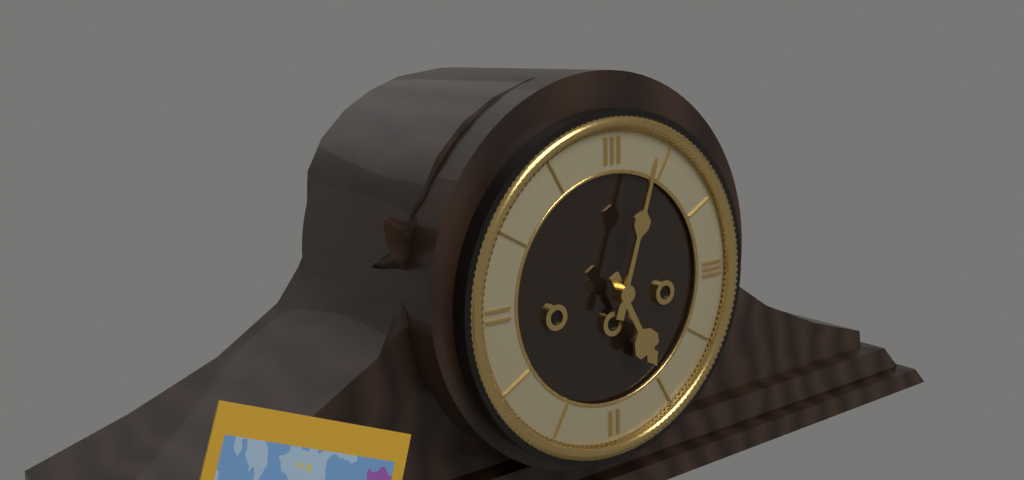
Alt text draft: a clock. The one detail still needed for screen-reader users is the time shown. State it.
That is 5:03
